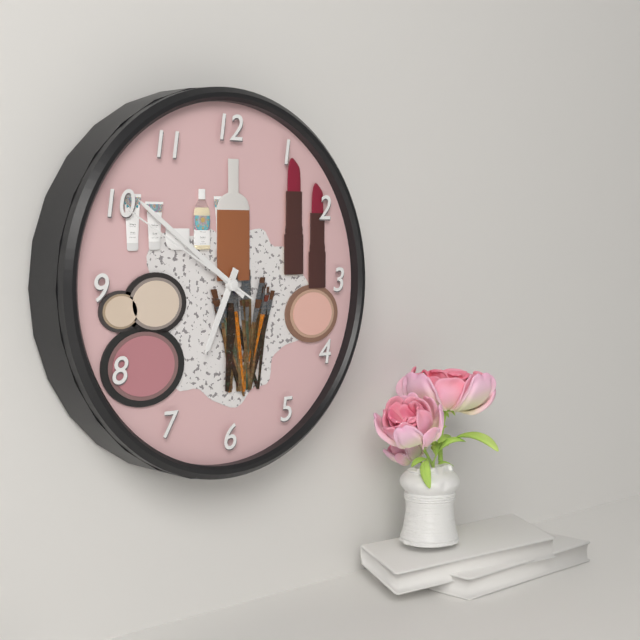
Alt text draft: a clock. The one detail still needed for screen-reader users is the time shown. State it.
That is 6:51:50
